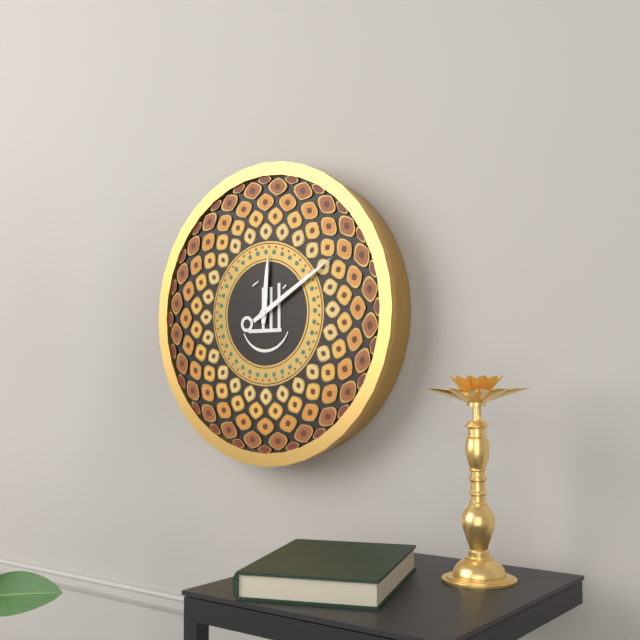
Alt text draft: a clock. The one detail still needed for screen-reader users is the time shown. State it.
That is 12:10
